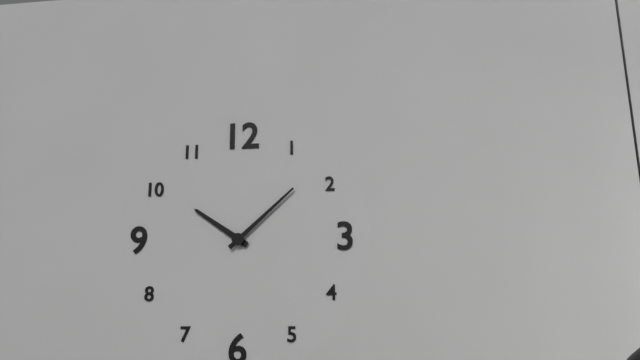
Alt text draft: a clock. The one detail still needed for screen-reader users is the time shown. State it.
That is 10:08
